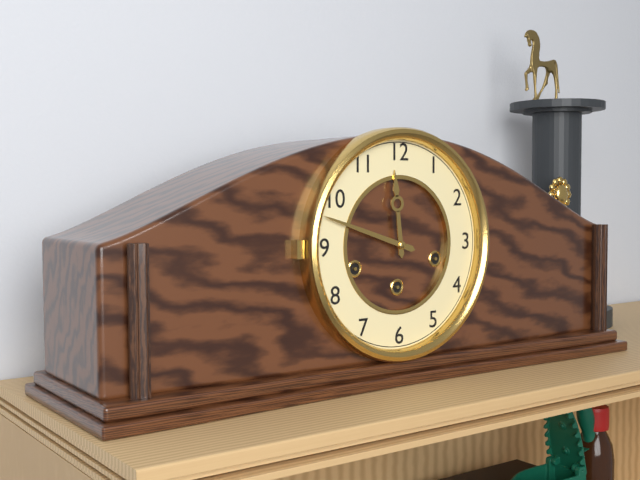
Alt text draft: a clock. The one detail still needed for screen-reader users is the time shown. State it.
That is 11:48
